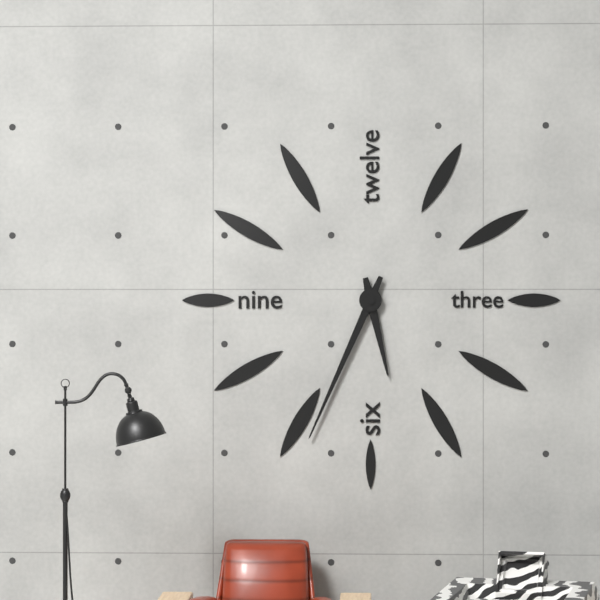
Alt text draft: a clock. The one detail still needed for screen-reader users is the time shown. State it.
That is 5:34
